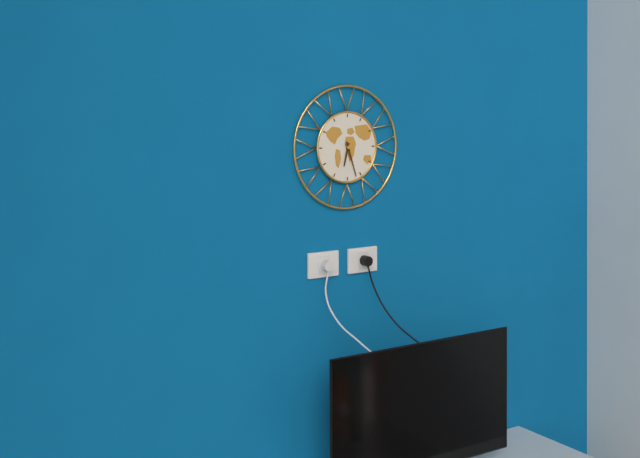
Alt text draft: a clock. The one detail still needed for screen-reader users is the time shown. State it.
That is 6:27
